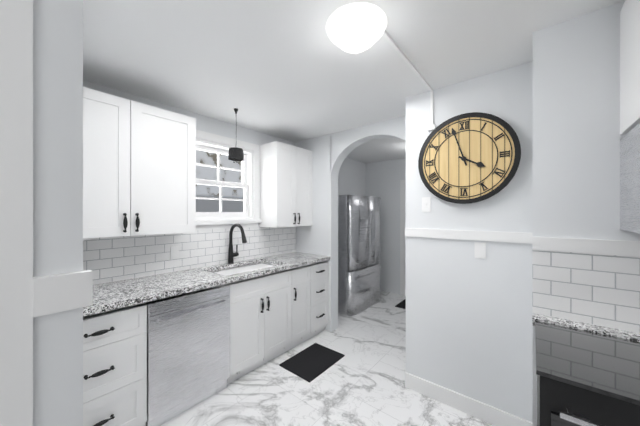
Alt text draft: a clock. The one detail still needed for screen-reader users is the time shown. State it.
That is 3:57
